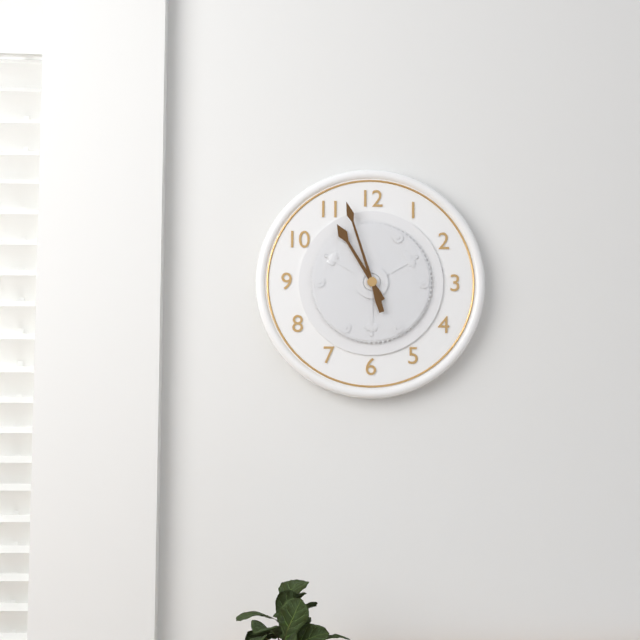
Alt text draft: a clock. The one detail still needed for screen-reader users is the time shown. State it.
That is 10:57
